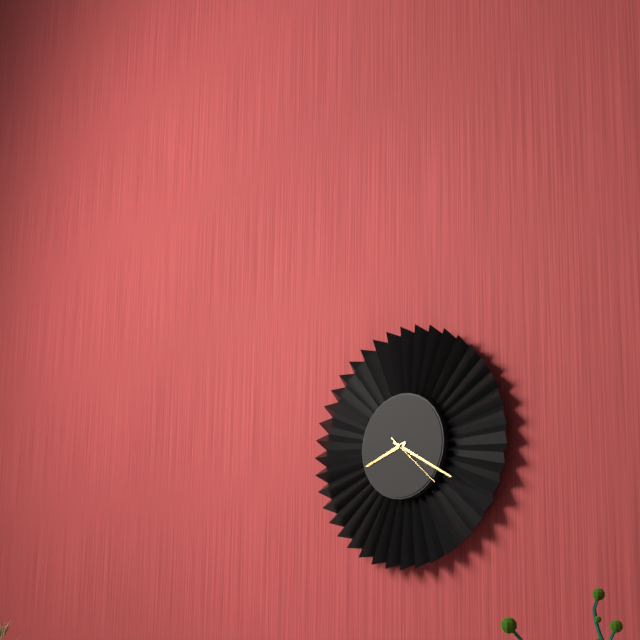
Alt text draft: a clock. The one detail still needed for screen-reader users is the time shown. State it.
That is 8:20:22
